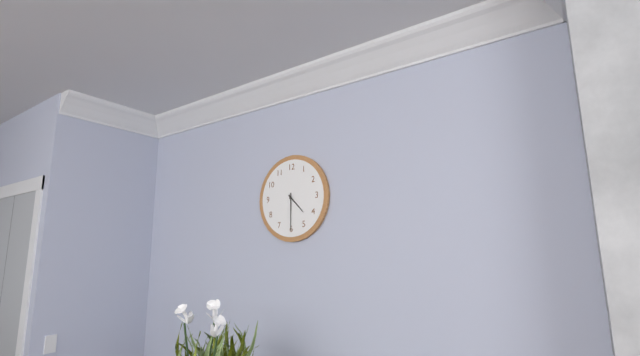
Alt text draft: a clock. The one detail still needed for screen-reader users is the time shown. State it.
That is 4:30
